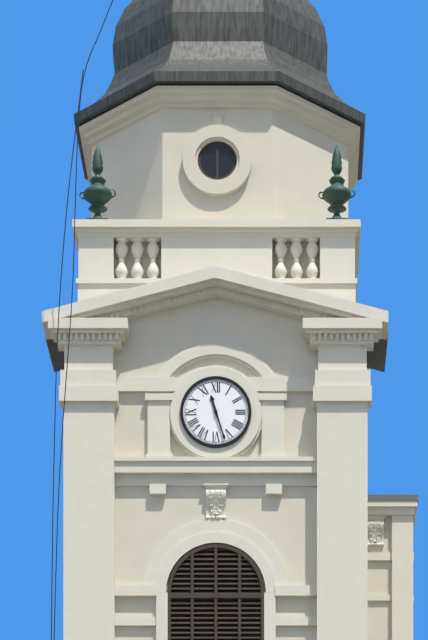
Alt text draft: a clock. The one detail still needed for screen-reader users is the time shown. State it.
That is 11:27
